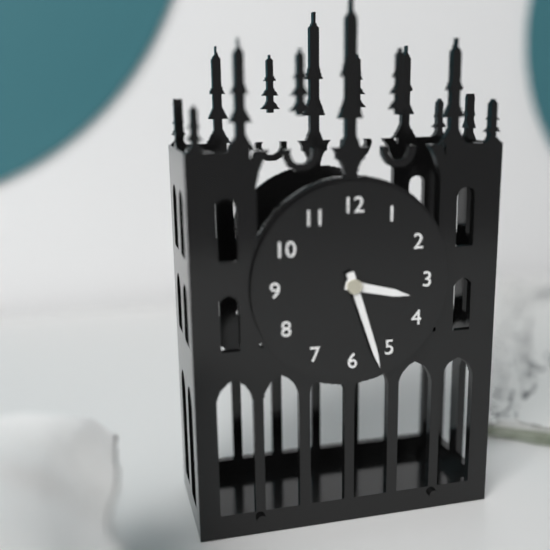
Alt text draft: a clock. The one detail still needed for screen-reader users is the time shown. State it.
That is 3:27
